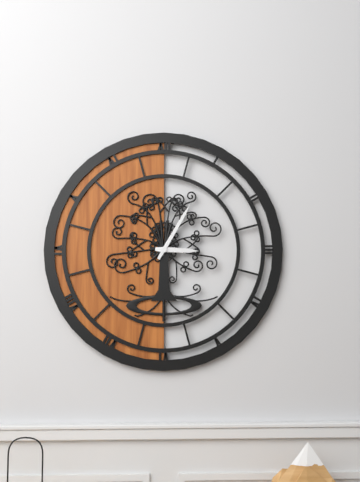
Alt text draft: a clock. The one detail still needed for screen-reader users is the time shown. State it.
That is 3:05
